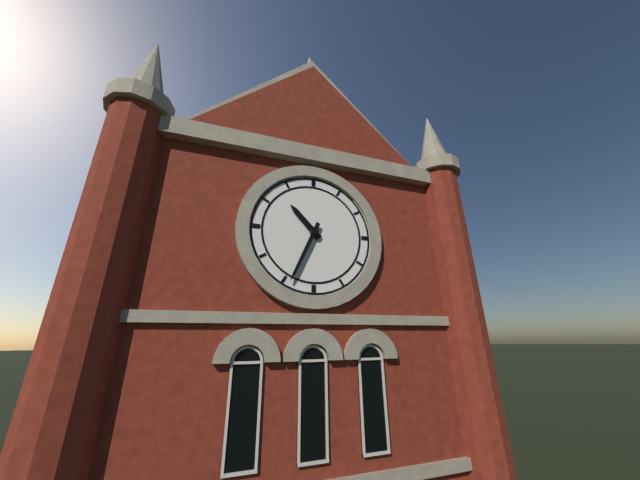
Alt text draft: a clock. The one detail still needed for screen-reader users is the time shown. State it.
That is 10:34
